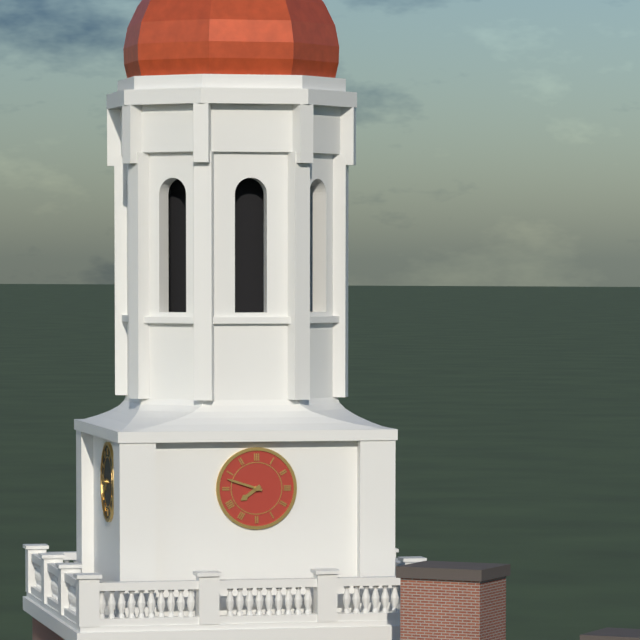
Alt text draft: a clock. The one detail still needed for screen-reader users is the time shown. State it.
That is 7:48
